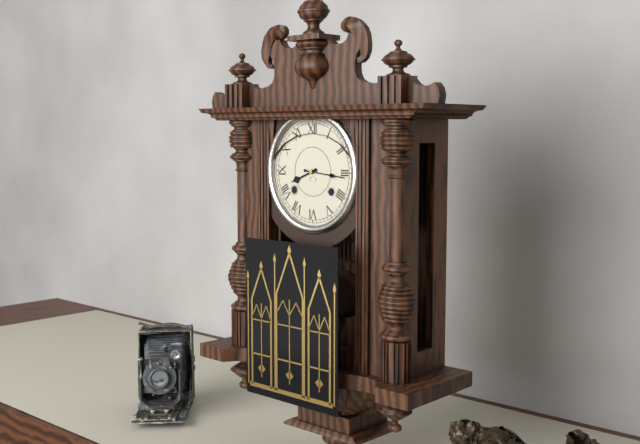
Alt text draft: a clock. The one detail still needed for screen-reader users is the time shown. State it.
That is 8:16
